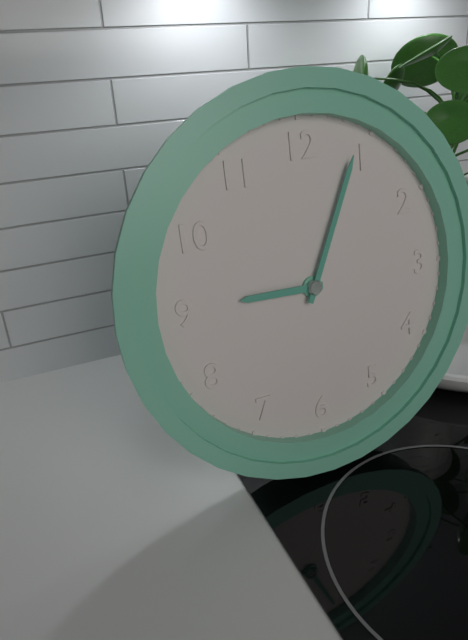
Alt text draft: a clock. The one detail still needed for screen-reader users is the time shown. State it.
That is 9:04
